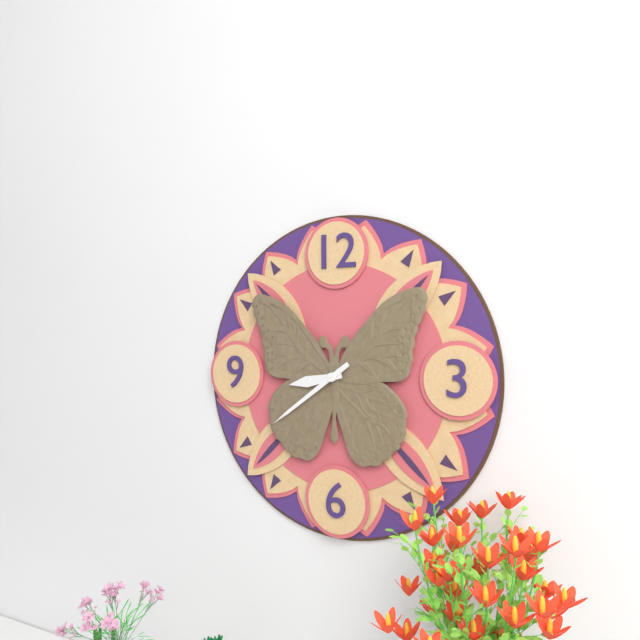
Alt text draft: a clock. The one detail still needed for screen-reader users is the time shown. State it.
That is 8:39
